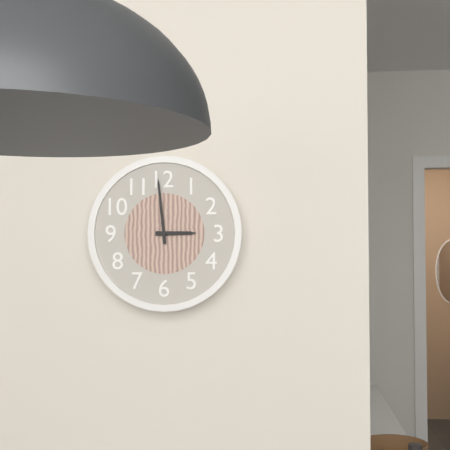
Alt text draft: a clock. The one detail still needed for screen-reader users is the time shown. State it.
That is 2:59
